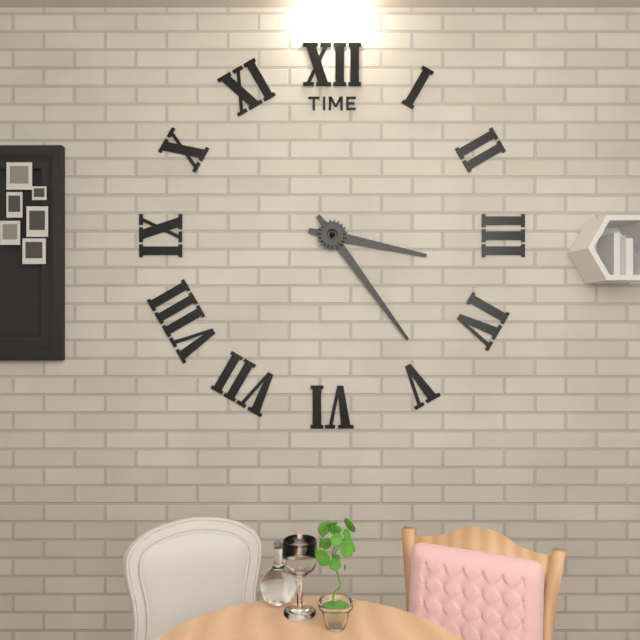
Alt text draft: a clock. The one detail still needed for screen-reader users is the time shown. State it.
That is 3:24
